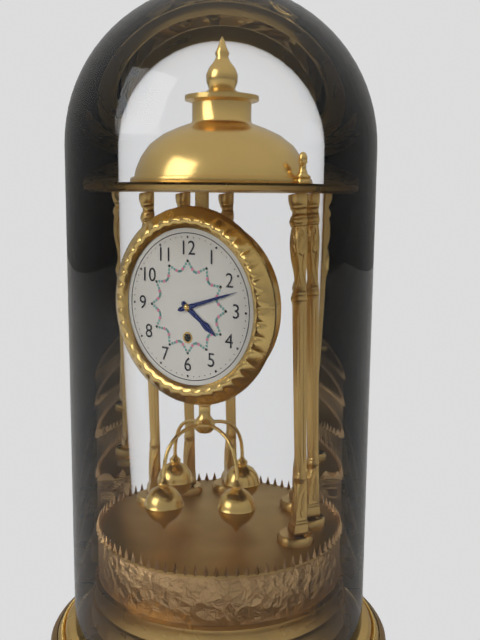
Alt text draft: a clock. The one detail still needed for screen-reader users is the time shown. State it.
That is 4:12
